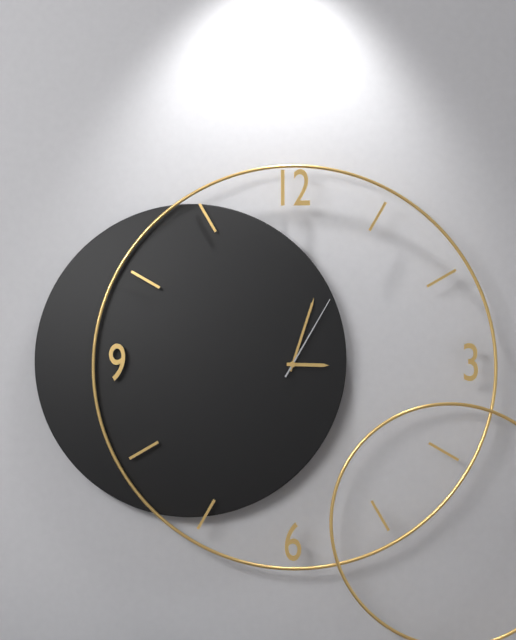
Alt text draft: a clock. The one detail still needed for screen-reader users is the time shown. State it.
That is 3:03:05
